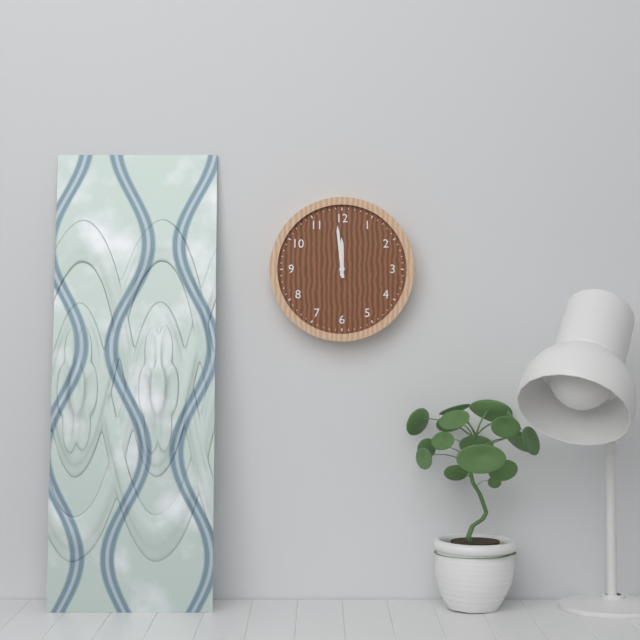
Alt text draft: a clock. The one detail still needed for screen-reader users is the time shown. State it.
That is 11:59
